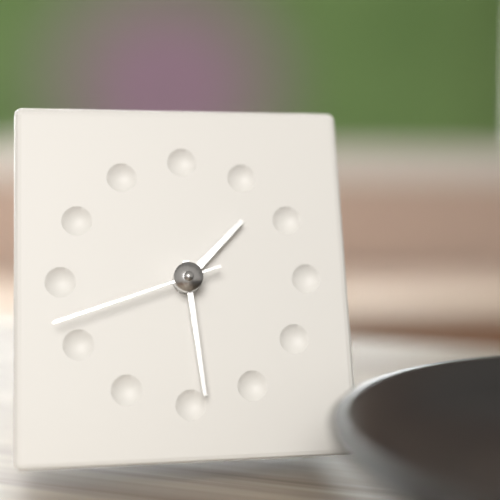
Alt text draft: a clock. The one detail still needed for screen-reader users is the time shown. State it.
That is 1:29:42
